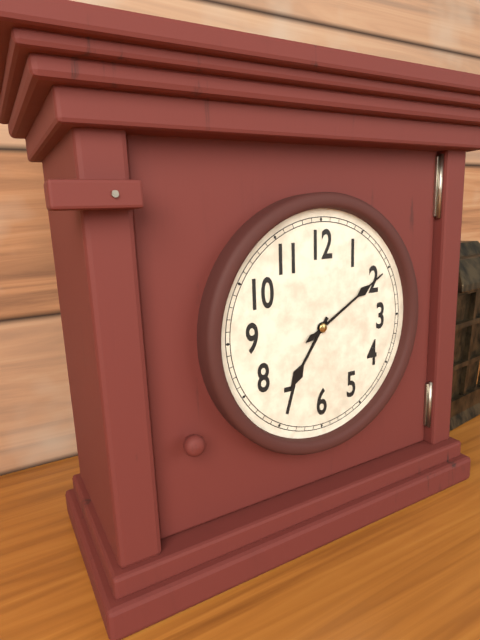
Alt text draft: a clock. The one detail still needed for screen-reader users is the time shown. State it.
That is 7:10
